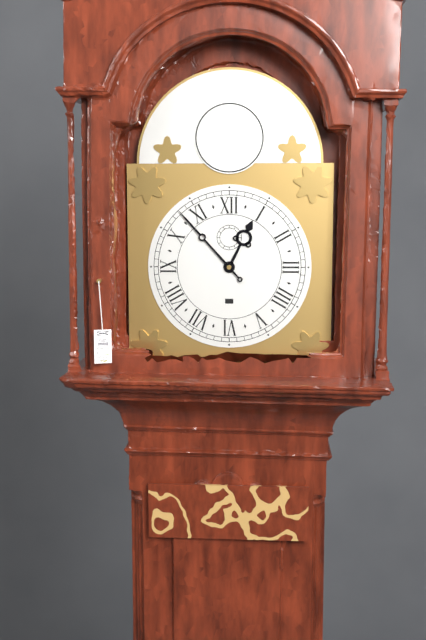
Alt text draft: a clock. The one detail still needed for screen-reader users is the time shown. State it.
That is 12:53
